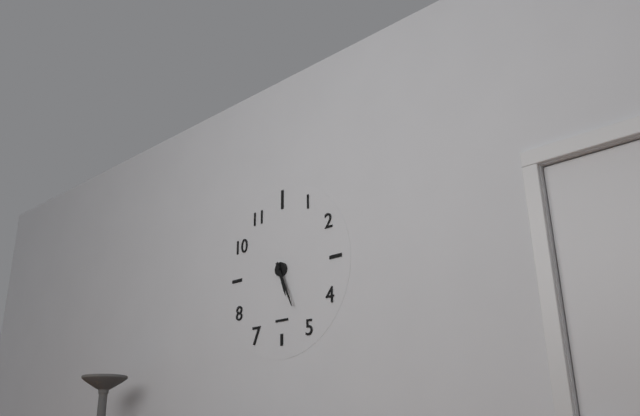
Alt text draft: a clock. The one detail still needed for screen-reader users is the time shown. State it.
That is 5:26
